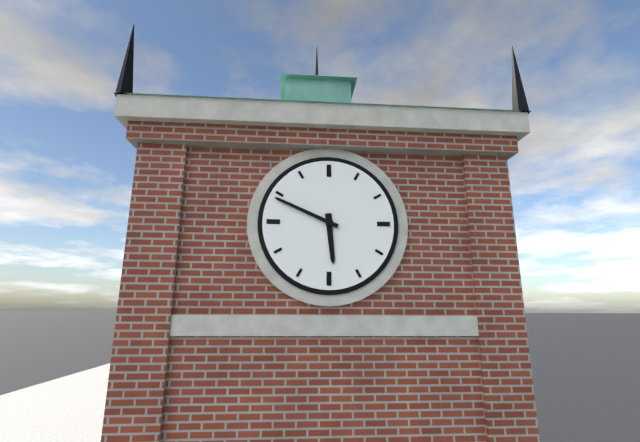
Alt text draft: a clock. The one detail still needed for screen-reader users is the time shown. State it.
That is 5:49
